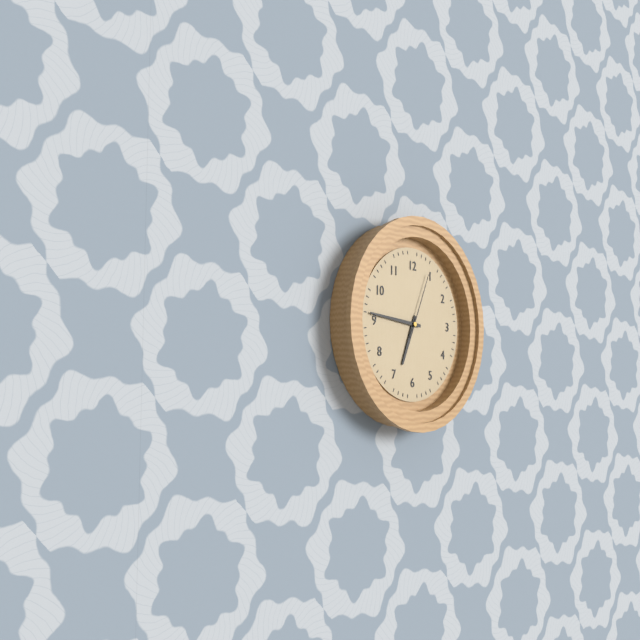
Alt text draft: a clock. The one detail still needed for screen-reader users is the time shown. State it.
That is 6:46:04
